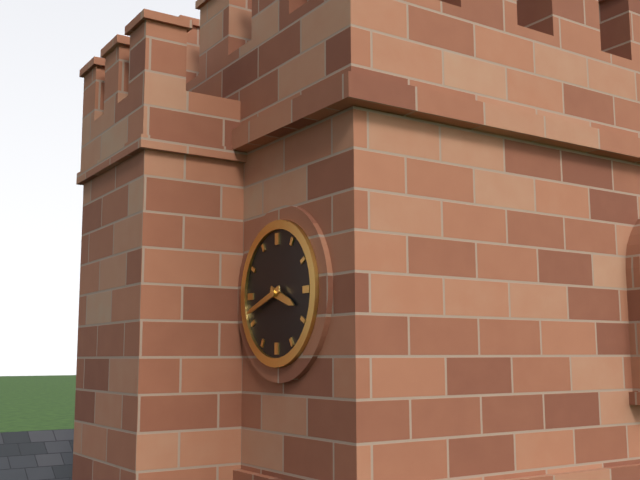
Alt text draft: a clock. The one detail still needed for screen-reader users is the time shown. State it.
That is 3:42
